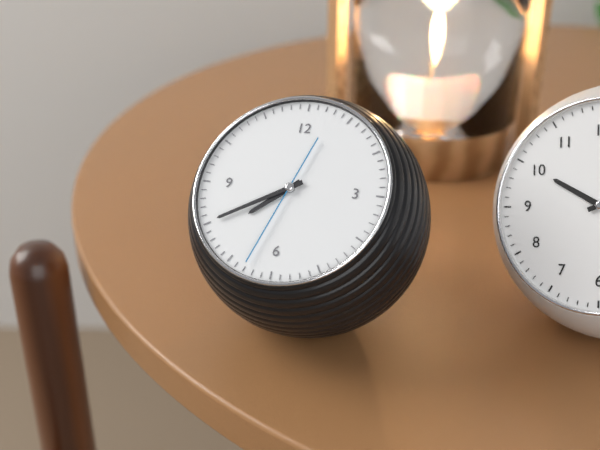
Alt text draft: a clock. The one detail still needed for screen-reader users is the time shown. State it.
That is 7:40:33
